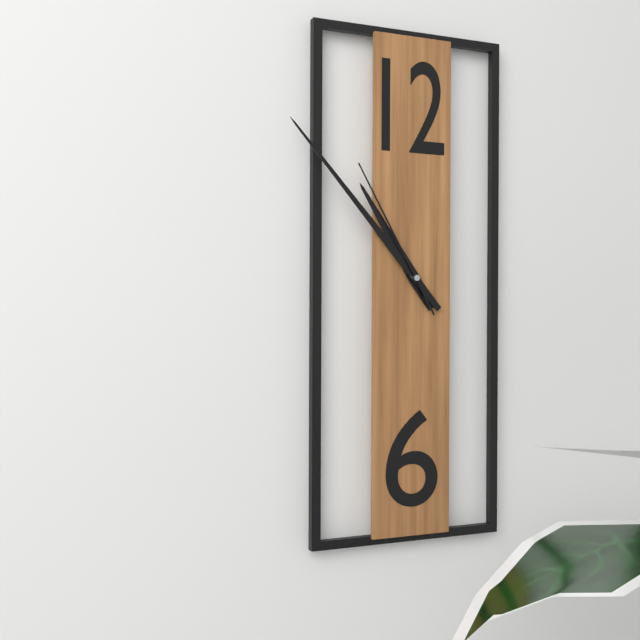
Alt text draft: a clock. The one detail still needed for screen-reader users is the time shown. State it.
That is 10:53:55
